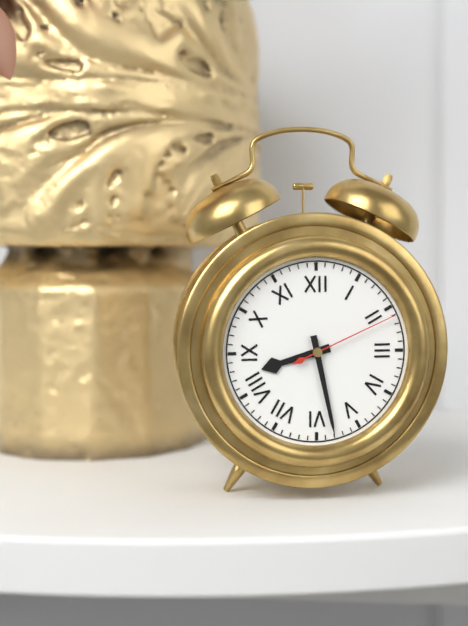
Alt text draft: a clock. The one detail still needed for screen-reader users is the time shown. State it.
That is 8:28:11
